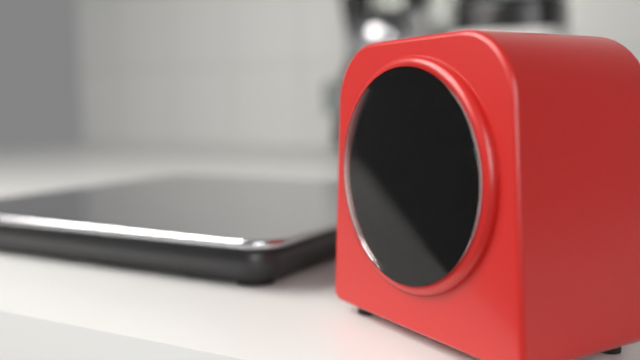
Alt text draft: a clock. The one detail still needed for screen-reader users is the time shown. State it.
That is 8:02
